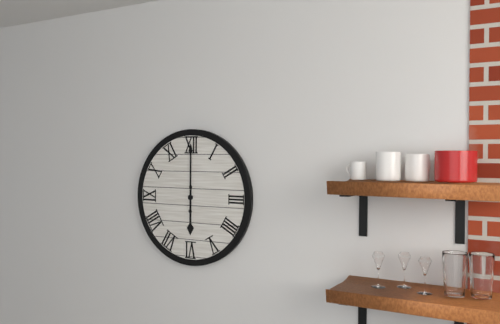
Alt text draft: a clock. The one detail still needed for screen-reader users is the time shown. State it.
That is 6:00
